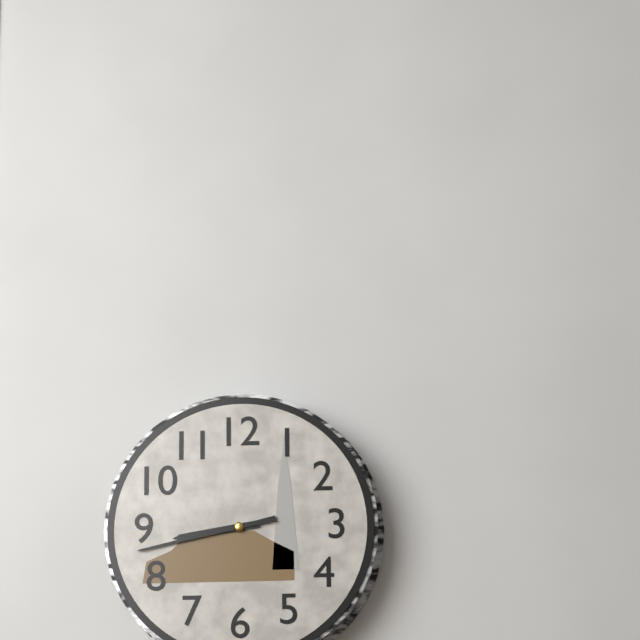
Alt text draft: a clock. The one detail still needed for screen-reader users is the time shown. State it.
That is 8:43
